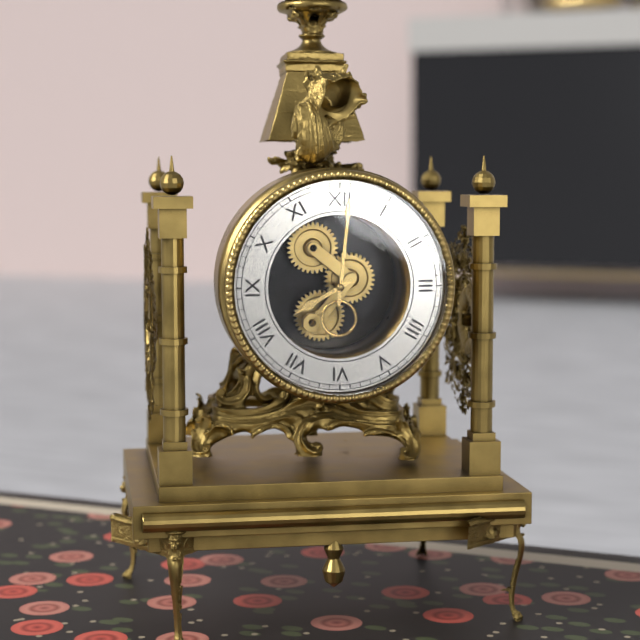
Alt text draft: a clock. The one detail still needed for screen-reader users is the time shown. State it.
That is 8:01
